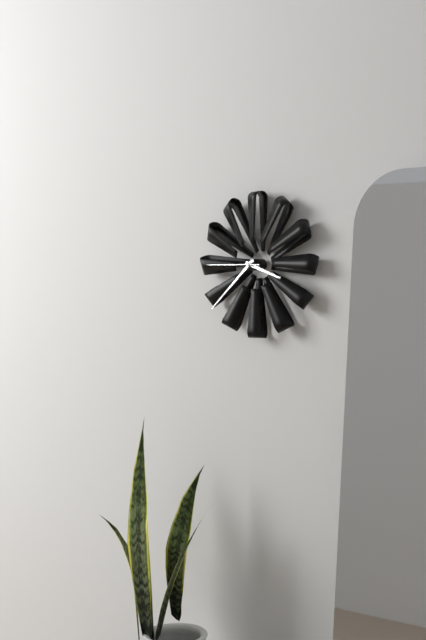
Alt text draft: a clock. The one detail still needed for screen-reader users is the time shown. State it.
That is 3:38:45
